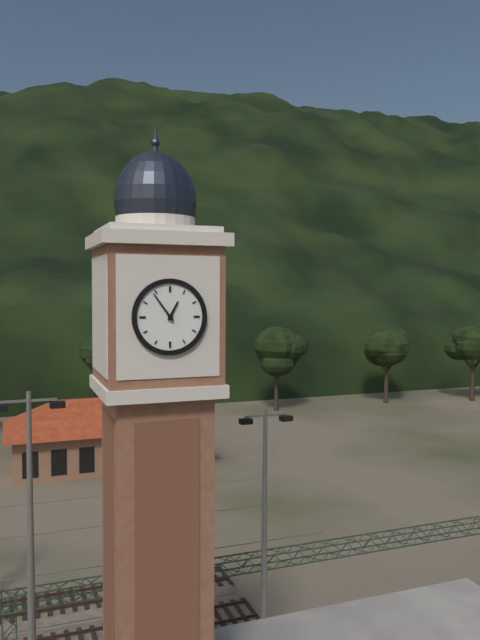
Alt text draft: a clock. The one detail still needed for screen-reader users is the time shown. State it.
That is 12:54
